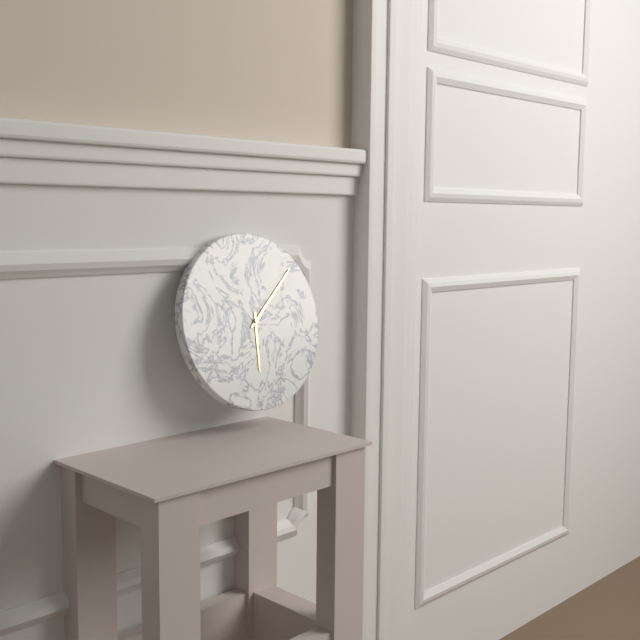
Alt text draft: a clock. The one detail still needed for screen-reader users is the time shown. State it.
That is 6:08
